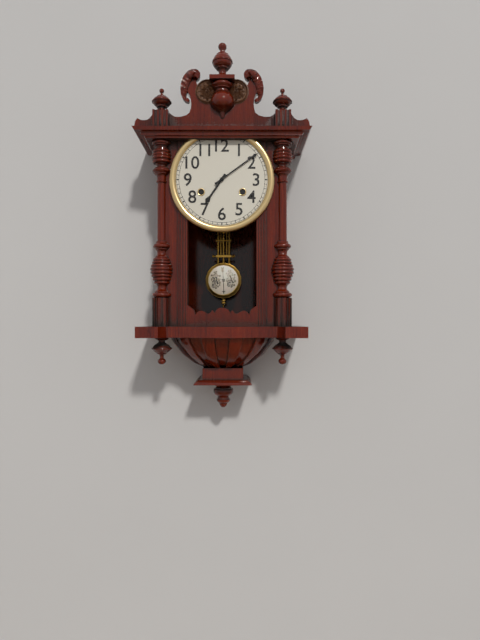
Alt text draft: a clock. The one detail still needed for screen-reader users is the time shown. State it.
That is 7:09
